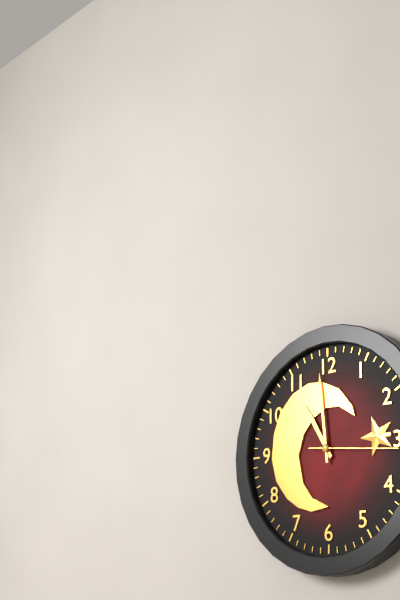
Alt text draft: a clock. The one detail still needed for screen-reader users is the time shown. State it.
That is 10:59:16
